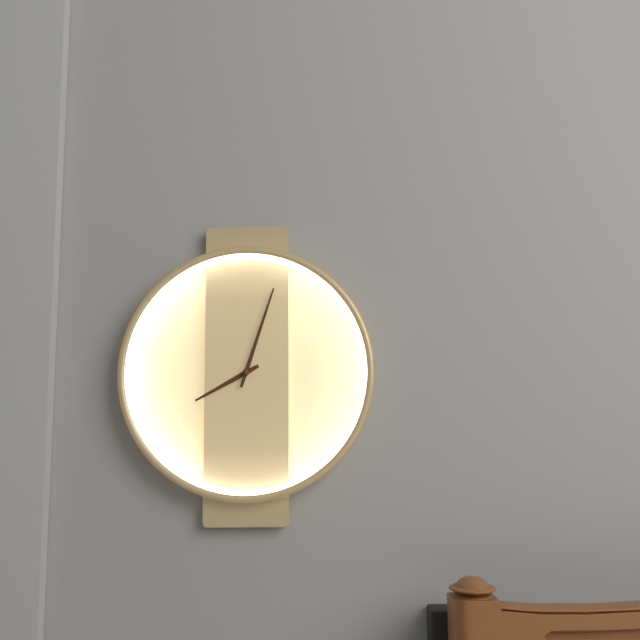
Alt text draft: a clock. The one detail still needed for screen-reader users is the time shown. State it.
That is 8:03
